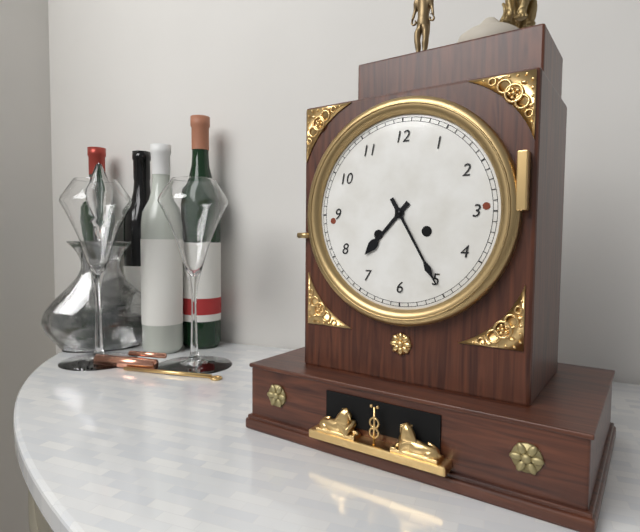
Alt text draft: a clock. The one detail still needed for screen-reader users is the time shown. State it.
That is 7:25
